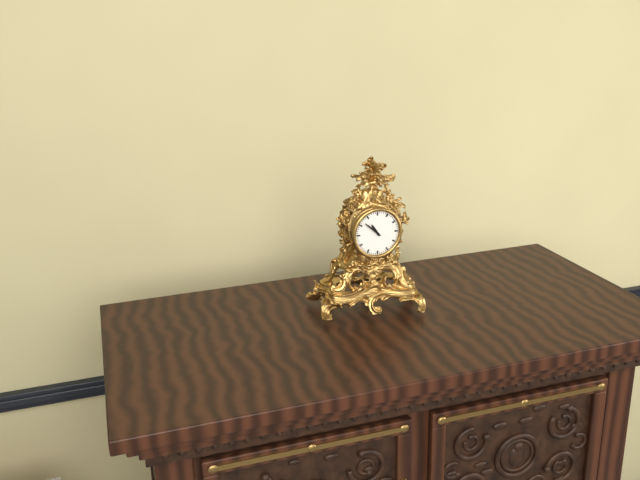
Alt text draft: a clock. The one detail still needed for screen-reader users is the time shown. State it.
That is 10:52
